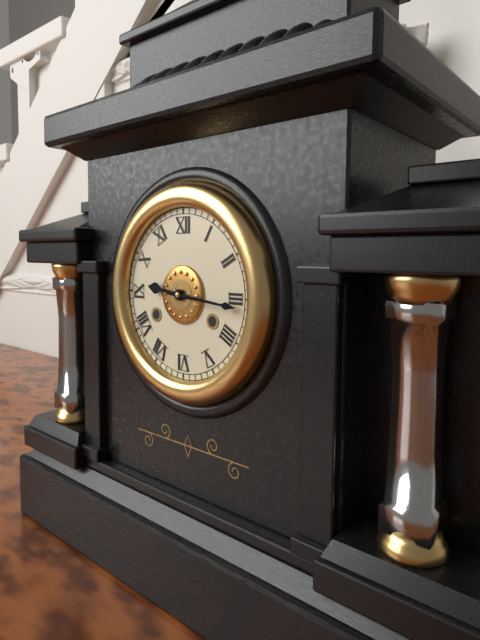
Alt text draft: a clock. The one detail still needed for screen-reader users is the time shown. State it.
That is 9:16
